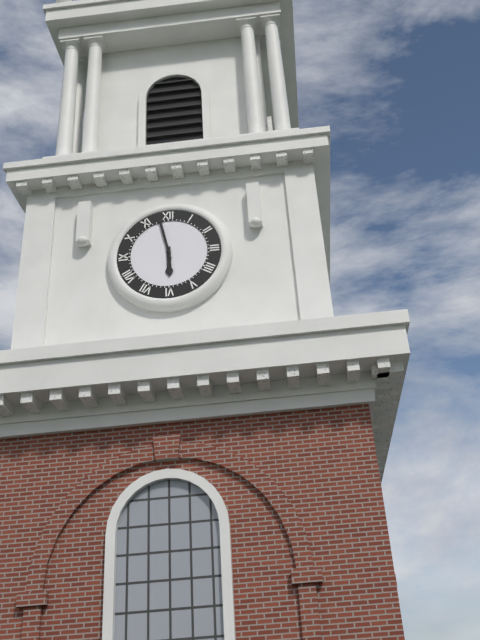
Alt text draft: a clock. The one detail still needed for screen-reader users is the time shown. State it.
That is 5:58
